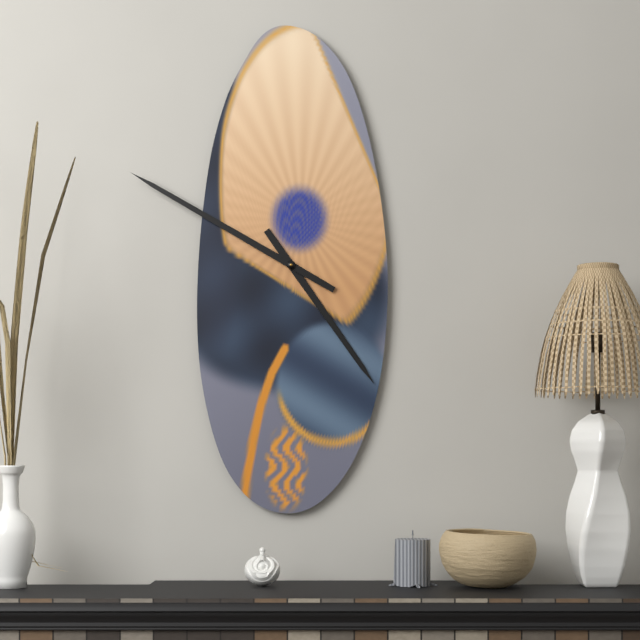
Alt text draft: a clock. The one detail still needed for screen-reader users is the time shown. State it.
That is 4:50
